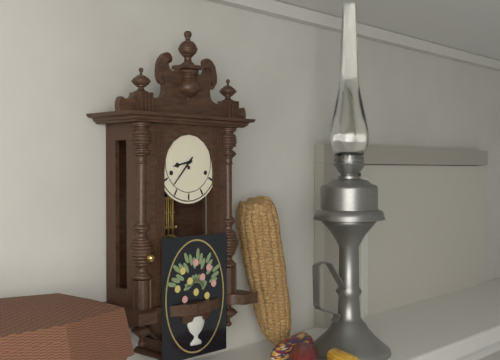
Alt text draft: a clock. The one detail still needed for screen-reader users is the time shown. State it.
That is 8:37
